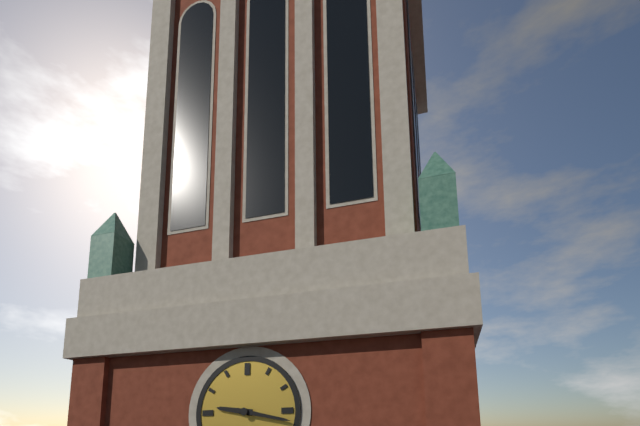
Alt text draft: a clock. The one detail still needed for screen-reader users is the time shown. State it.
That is 9:17
